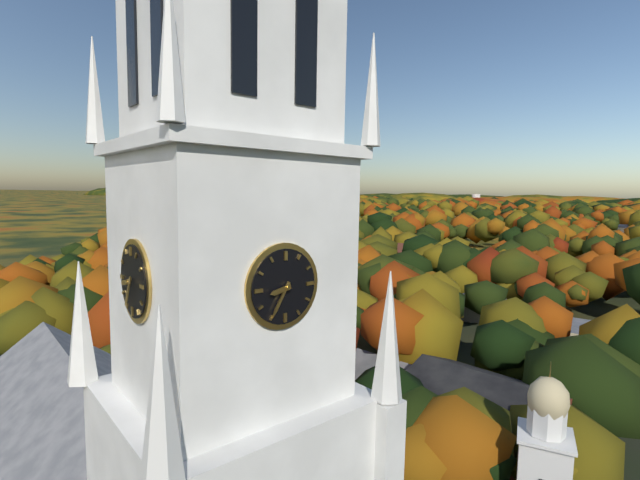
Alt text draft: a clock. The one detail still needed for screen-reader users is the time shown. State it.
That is 8:35
